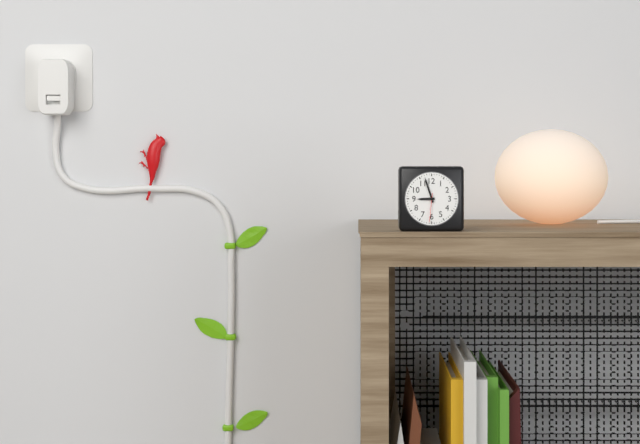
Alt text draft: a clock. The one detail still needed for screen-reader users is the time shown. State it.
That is 8:57
